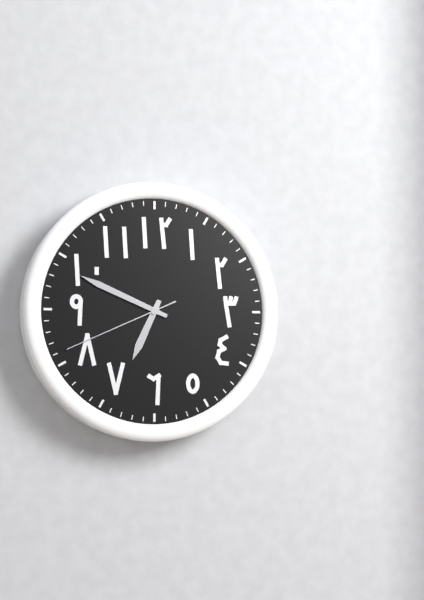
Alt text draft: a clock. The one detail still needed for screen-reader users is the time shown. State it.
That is 6:49:41
